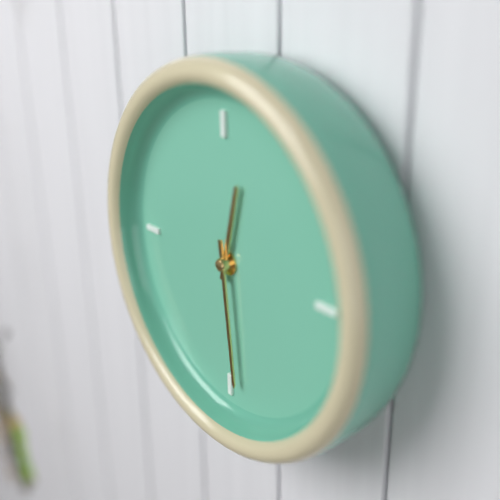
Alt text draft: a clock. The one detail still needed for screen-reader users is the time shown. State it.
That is 12:29
